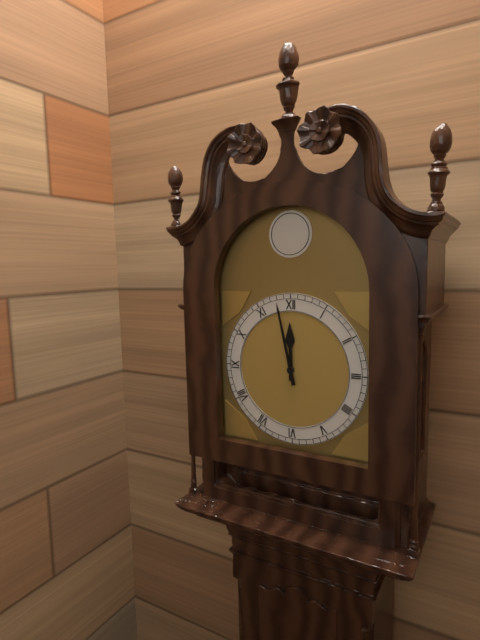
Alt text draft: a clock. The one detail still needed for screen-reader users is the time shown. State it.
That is 11:58
